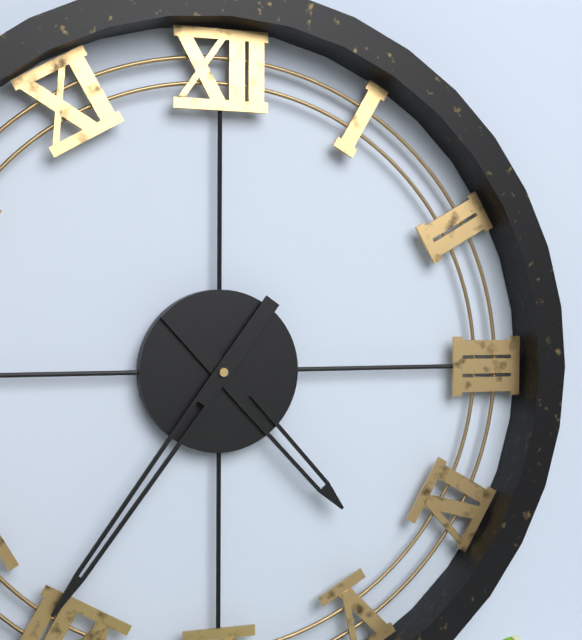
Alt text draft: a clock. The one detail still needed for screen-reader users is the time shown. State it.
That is 4:36
